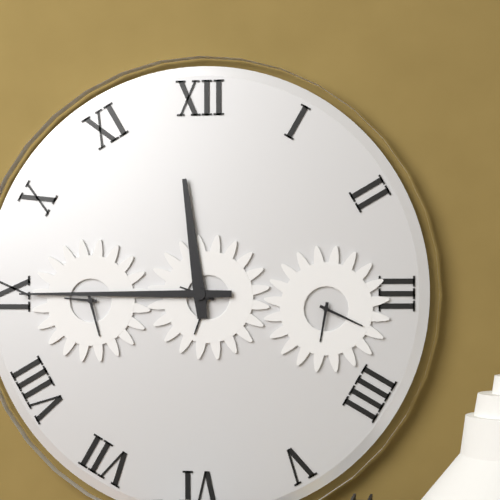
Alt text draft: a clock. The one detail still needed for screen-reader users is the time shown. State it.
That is 11:45
